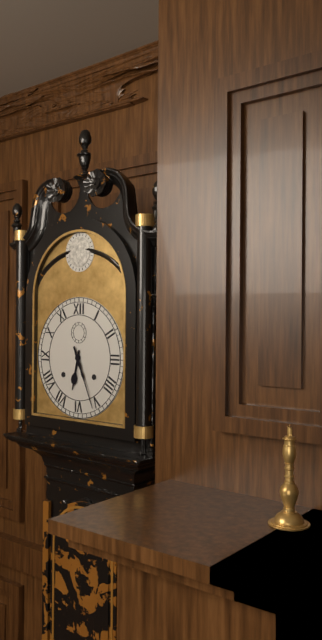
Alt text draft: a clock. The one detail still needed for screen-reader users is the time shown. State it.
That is 6:26
